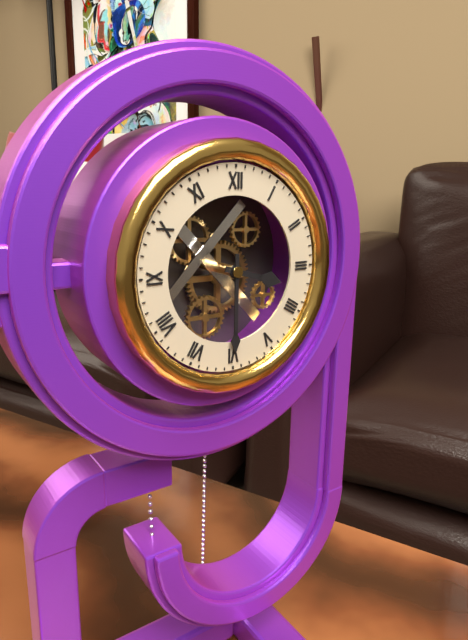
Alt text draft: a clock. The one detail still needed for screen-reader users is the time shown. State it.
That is 3:30
